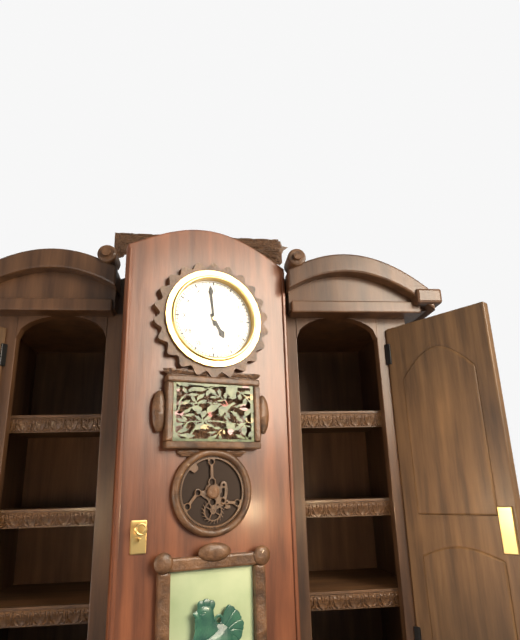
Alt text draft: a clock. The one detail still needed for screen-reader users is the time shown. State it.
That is 4:59
